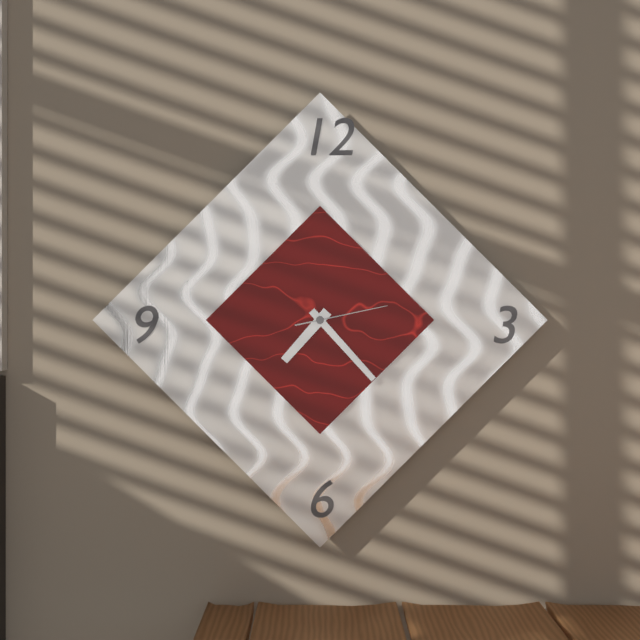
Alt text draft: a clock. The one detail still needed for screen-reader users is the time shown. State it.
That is 7:23:13
